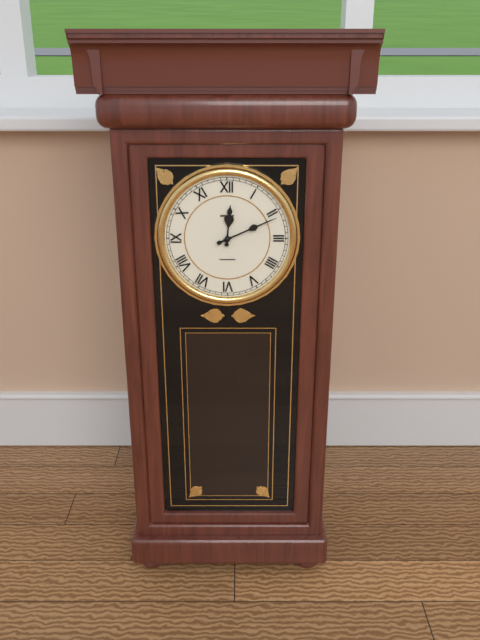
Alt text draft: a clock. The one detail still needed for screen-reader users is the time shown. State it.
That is 12:11
